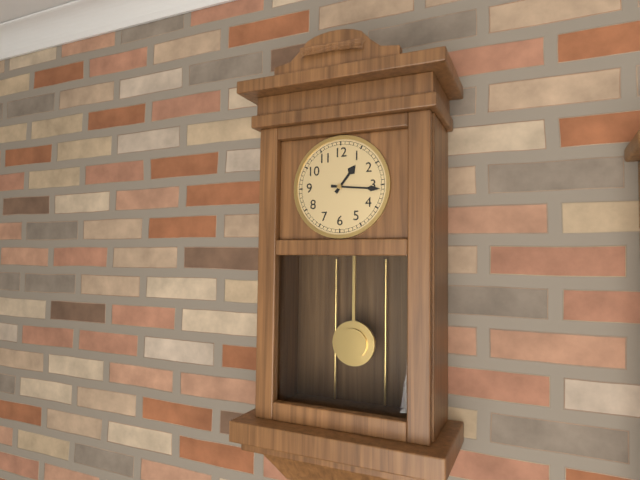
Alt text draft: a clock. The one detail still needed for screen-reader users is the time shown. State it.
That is 1:16
